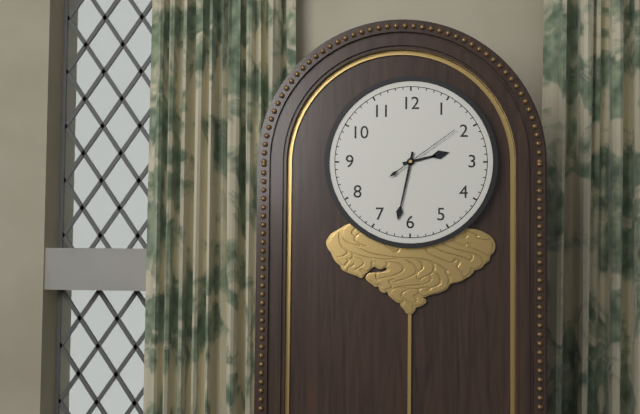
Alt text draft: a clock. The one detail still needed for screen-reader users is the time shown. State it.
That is 2:32:09
